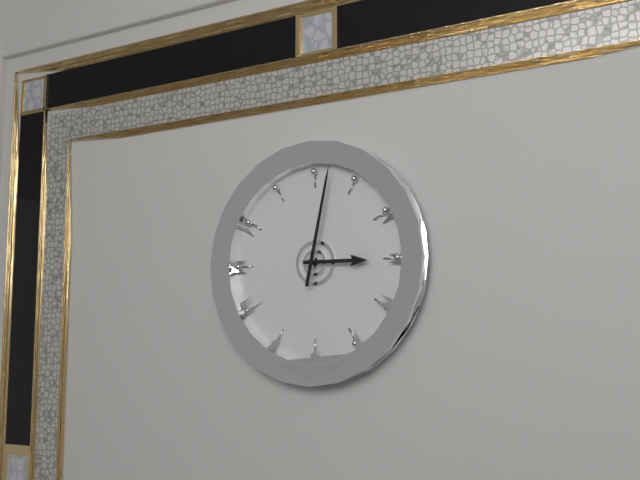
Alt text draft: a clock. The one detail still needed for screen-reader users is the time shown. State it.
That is 3:02
